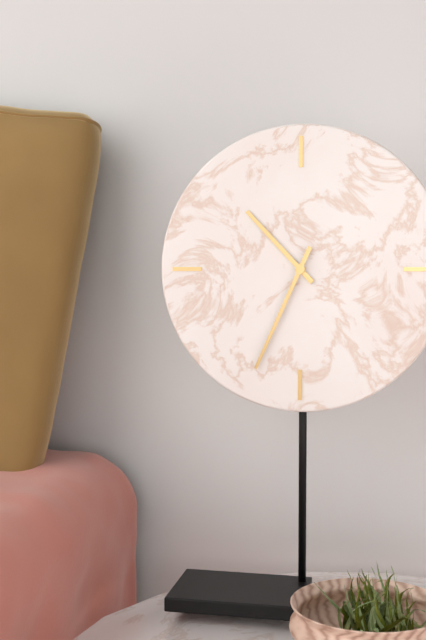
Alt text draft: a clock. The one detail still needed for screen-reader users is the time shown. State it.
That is 10:34
